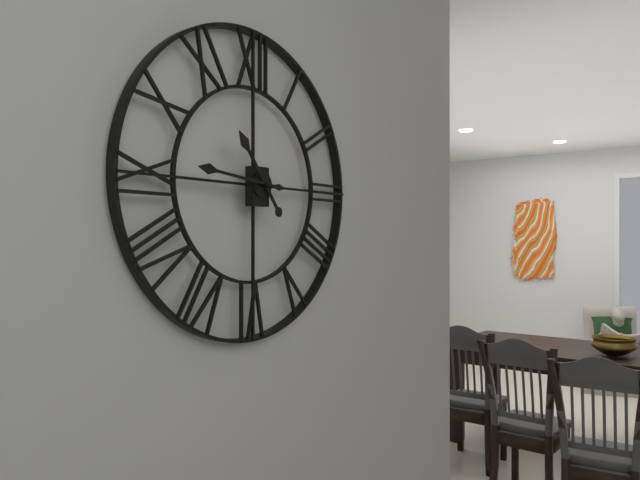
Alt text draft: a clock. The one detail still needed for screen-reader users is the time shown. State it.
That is 10:46
